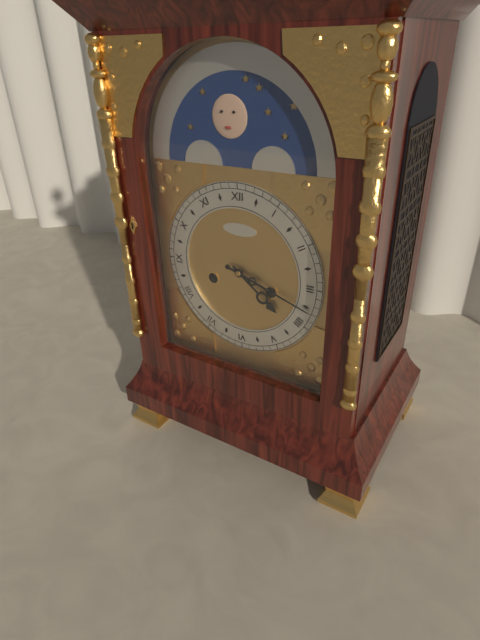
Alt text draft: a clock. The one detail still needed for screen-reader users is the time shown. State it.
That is 4:18
